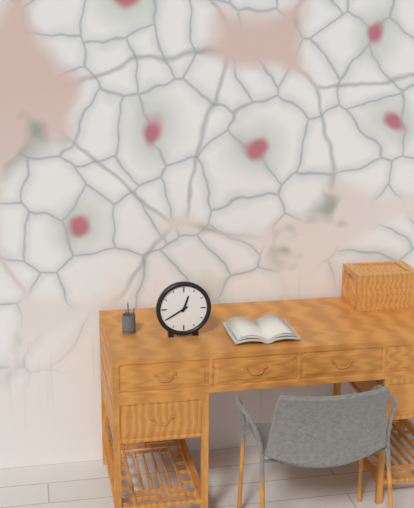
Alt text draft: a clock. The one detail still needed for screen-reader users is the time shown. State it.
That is 12:40
